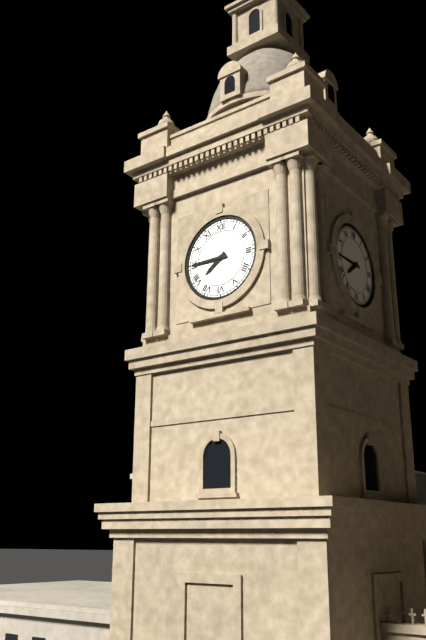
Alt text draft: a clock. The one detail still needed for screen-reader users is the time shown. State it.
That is 7:45
